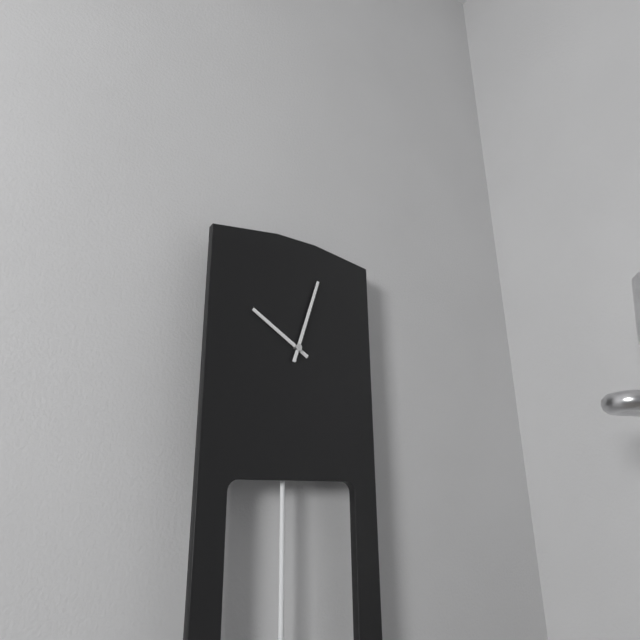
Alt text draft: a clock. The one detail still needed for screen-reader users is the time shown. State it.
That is 10:03
